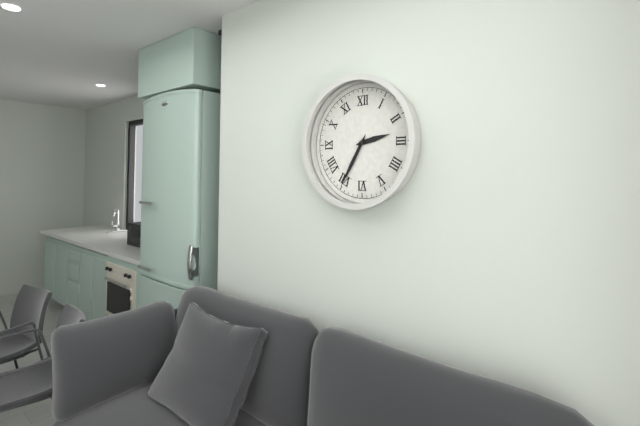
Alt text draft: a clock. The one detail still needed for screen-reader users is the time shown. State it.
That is 2:35
